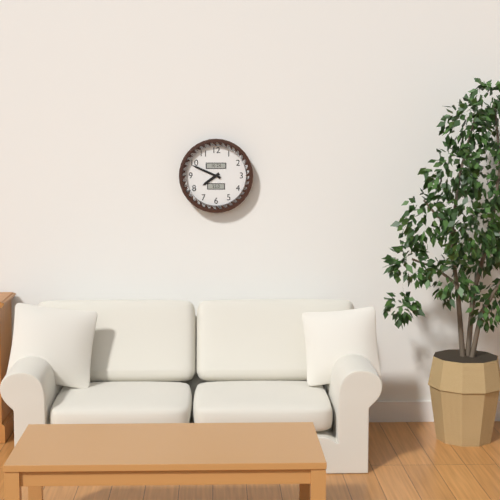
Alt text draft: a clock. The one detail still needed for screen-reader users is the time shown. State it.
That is 7:49
